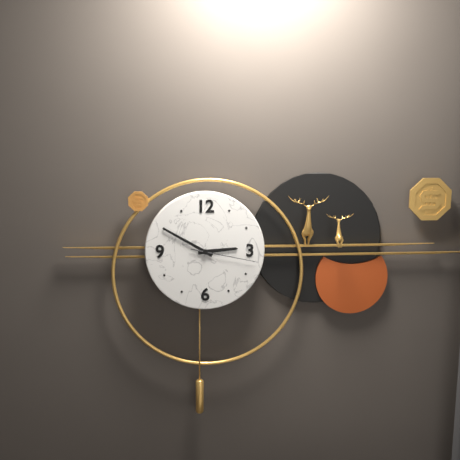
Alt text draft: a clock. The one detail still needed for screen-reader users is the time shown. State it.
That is 2:50:17
